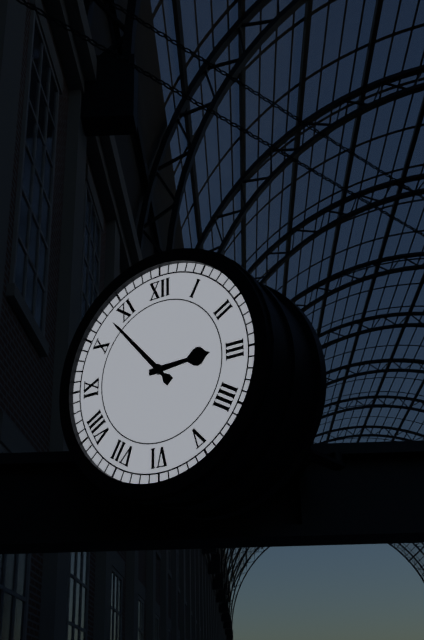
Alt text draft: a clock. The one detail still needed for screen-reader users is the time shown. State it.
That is 2:53
